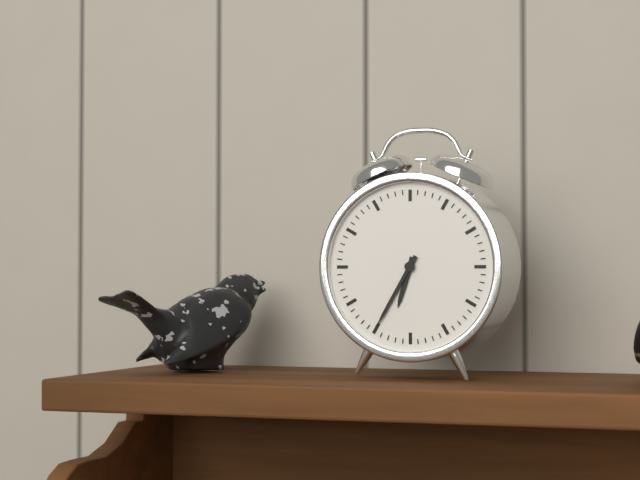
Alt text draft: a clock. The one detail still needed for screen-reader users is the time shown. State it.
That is 6:35
